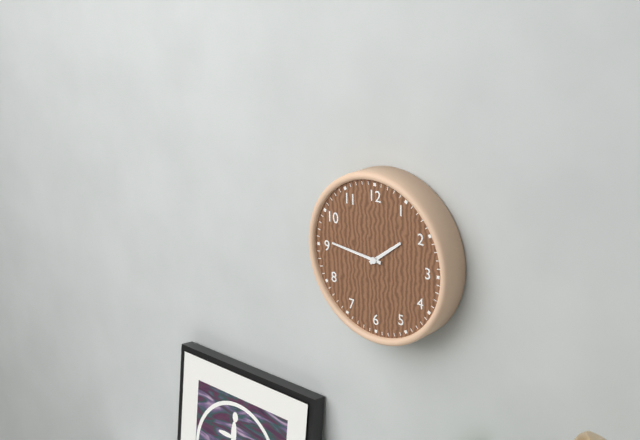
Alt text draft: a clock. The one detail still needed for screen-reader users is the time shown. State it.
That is 1:46
